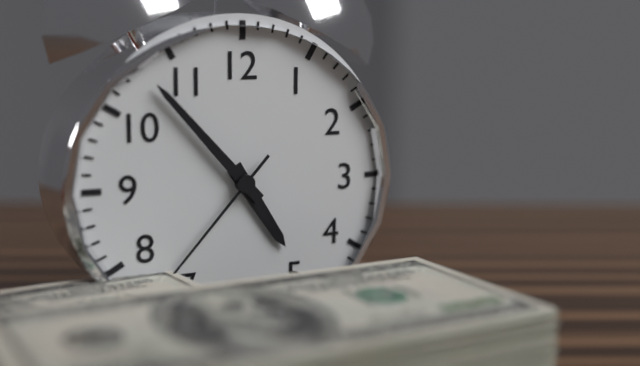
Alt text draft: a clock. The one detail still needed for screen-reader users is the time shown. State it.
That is 4:53:37
